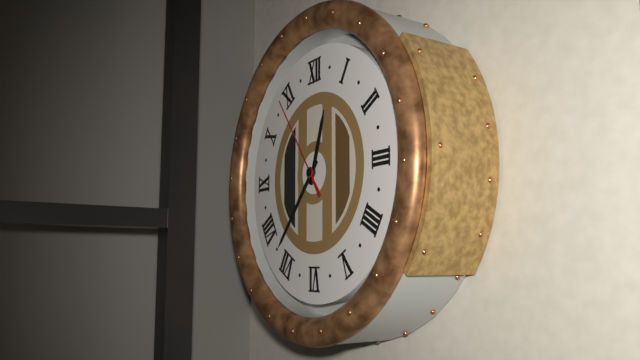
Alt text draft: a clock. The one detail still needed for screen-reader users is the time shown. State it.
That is 12:37:54
